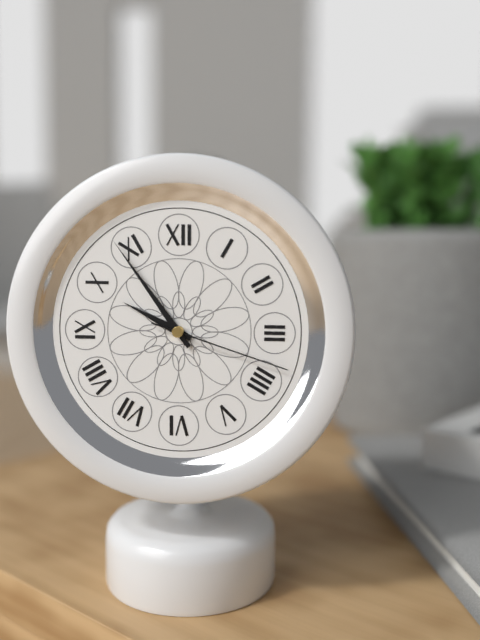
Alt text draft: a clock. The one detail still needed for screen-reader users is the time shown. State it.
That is 9:54:18
